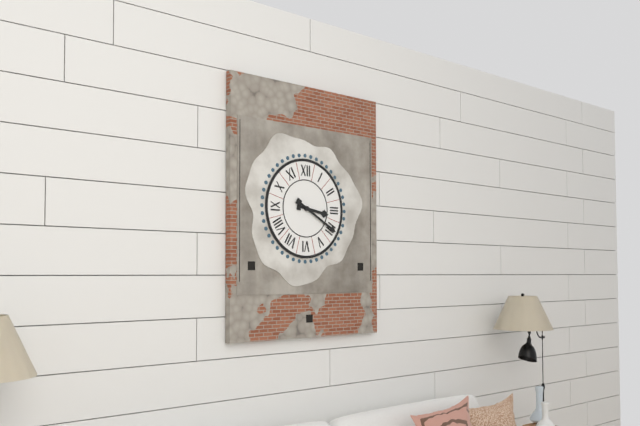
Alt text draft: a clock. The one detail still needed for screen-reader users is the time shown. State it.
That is 3:20
